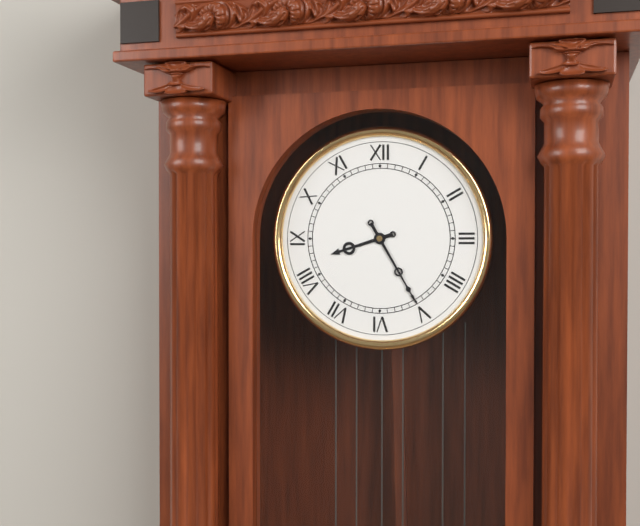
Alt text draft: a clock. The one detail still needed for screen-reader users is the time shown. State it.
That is 8:25
